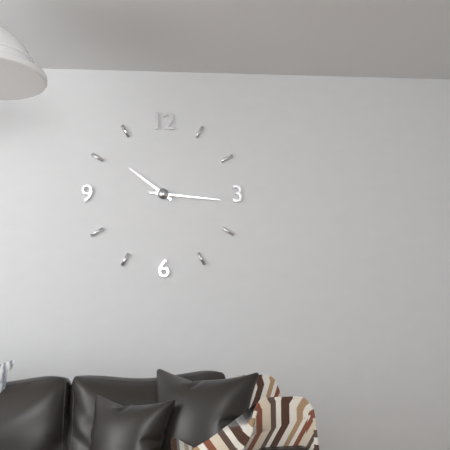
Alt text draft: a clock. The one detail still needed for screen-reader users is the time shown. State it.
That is 10:16
